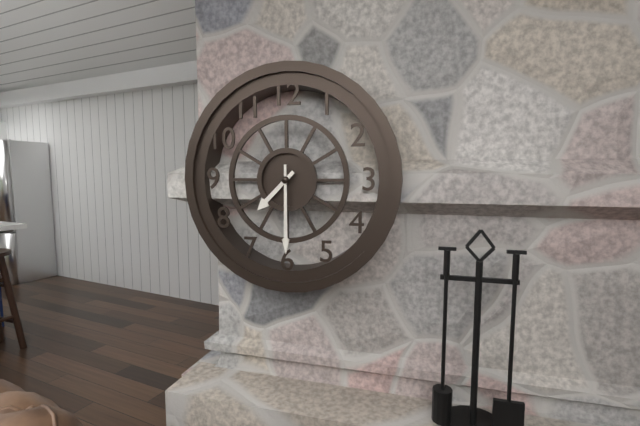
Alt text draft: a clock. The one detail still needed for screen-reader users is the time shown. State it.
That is 7:30
